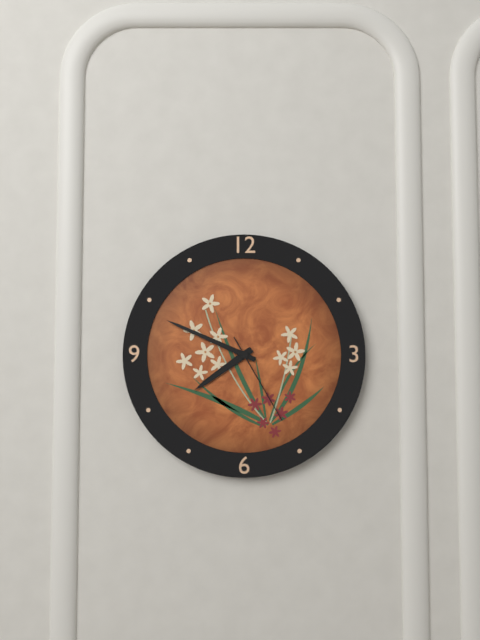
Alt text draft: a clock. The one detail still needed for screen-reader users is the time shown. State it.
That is 7:49:25
